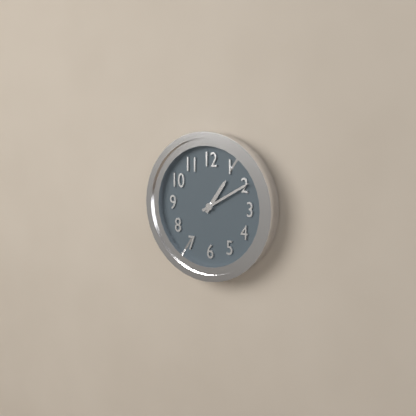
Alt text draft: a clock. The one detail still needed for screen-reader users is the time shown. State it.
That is 1:10
